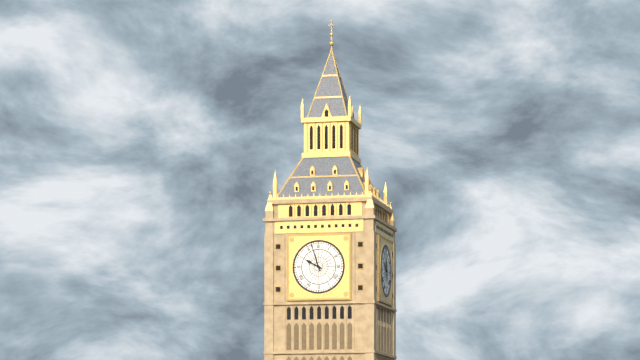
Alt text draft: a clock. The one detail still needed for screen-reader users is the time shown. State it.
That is 9:57
